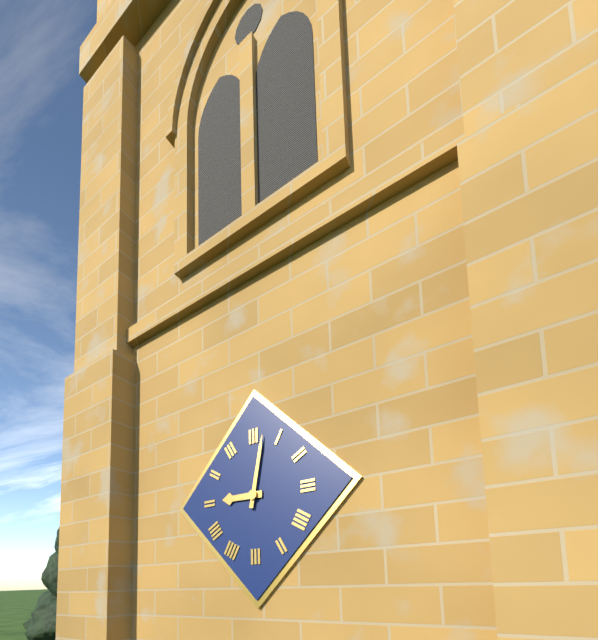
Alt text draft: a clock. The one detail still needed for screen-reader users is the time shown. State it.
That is 9:02
